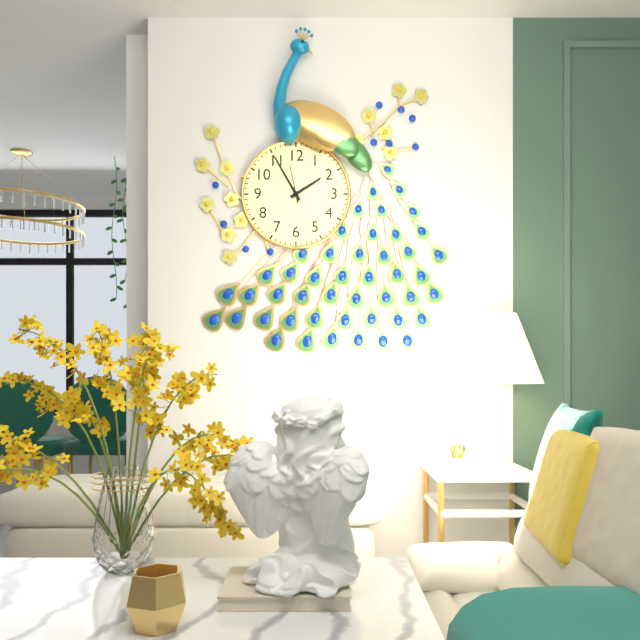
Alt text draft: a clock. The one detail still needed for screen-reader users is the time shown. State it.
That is 1:55
